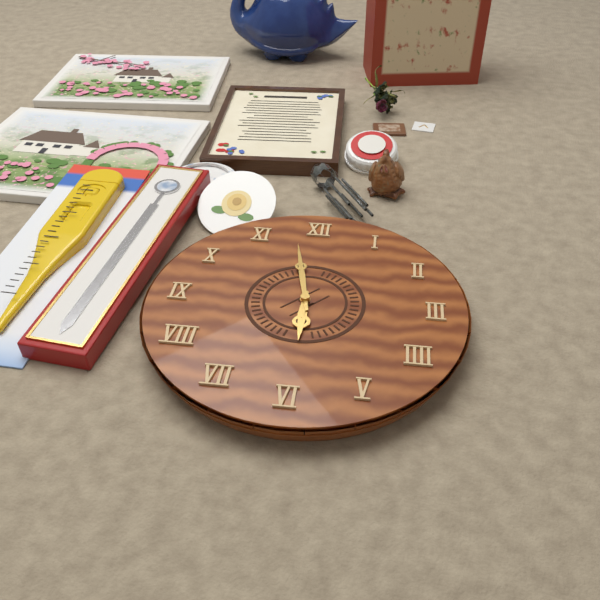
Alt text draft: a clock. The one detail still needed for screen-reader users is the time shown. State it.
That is 5:58
